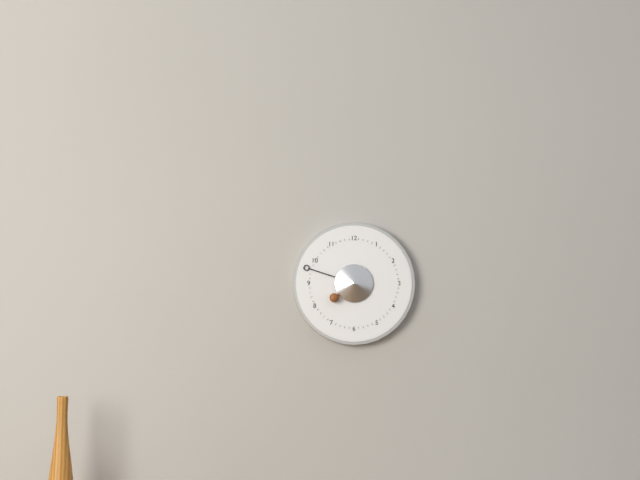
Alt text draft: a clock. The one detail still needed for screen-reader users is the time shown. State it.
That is 7:48
